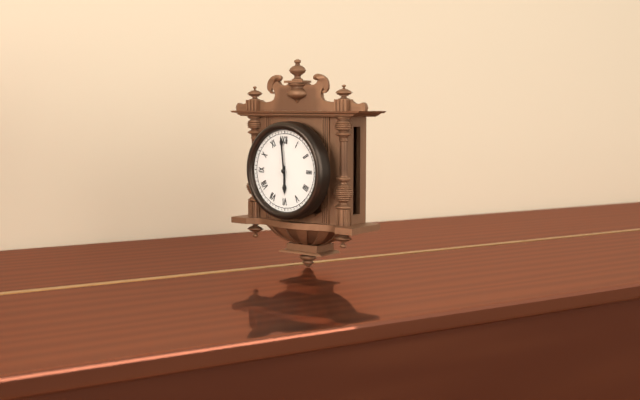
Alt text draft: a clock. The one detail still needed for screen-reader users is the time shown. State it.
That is 5:59
